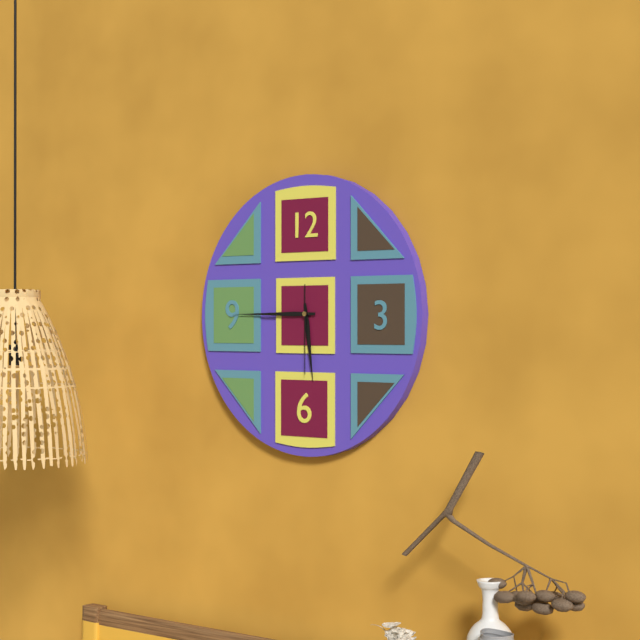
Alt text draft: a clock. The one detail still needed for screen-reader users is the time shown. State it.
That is 5:45:30
